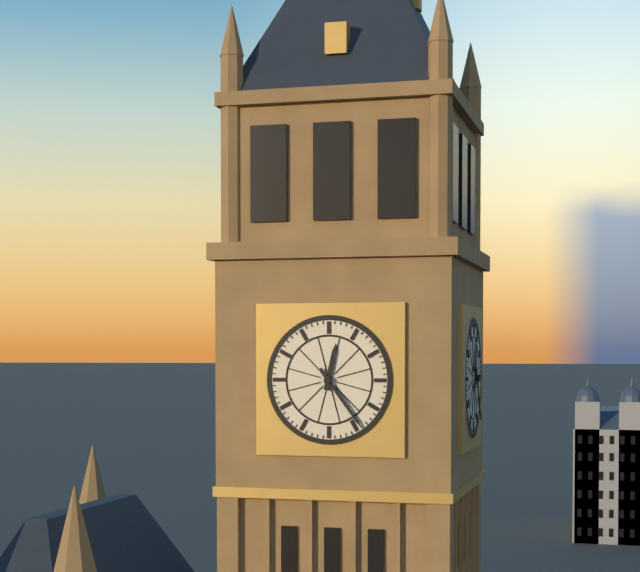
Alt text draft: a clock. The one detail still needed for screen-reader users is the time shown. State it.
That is 12:24
